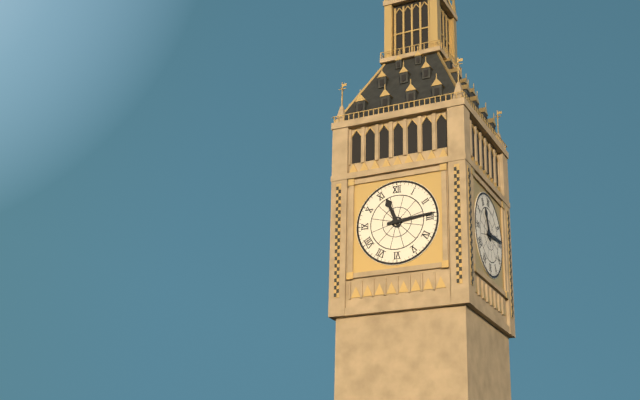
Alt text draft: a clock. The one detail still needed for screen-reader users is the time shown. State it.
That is 11:14
